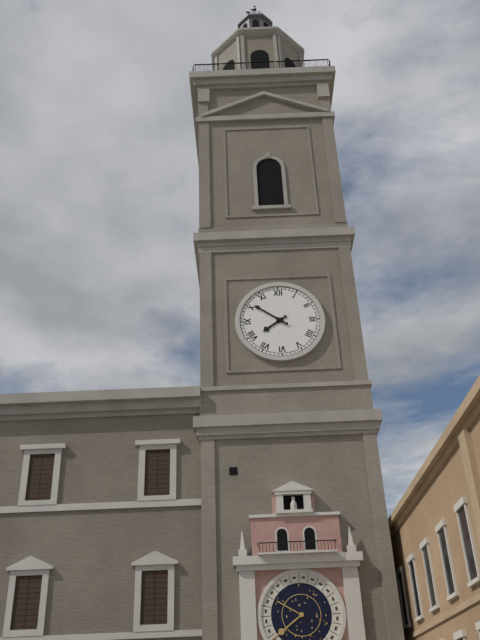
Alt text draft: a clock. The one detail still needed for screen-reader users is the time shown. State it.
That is 7:51
